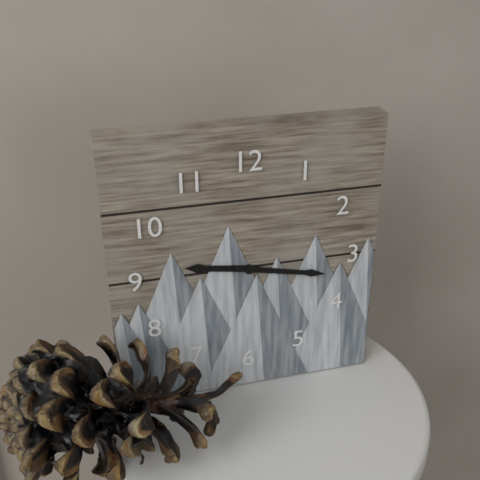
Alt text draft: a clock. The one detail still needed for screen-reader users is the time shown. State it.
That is 9:17
